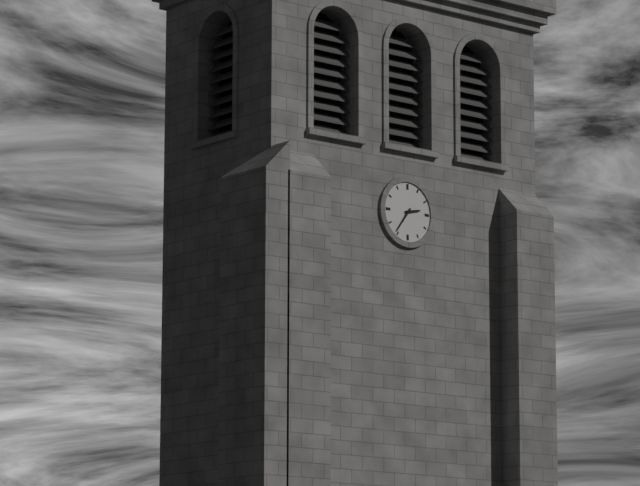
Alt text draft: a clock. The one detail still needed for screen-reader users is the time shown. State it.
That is 2:36
